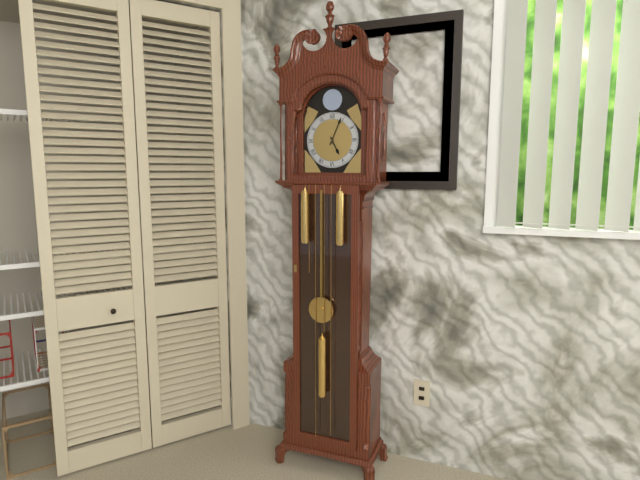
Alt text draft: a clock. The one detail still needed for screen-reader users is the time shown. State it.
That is 5:04
